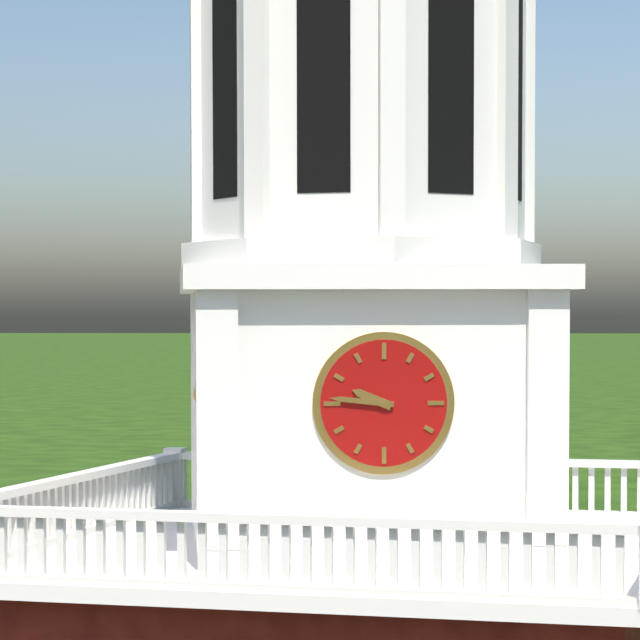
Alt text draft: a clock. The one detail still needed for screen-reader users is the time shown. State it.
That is 9:46
